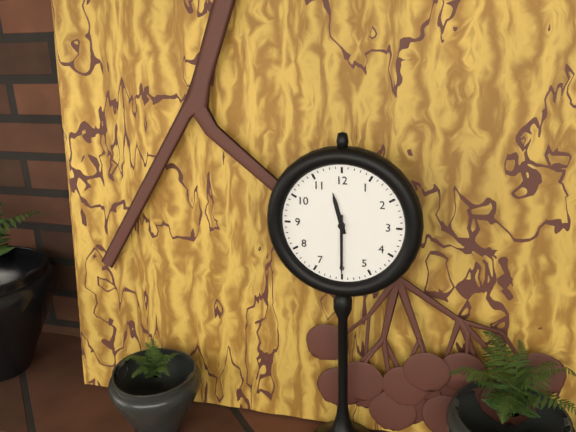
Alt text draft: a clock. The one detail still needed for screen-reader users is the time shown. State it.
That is 11:30
